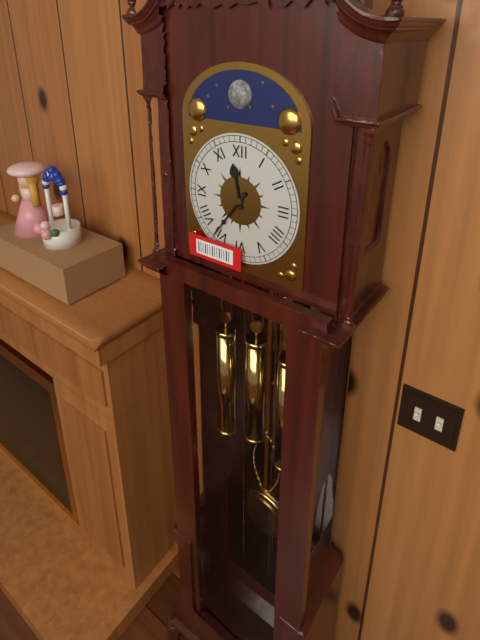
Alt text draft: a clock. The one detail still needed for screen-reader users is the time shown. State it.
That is 11:36
